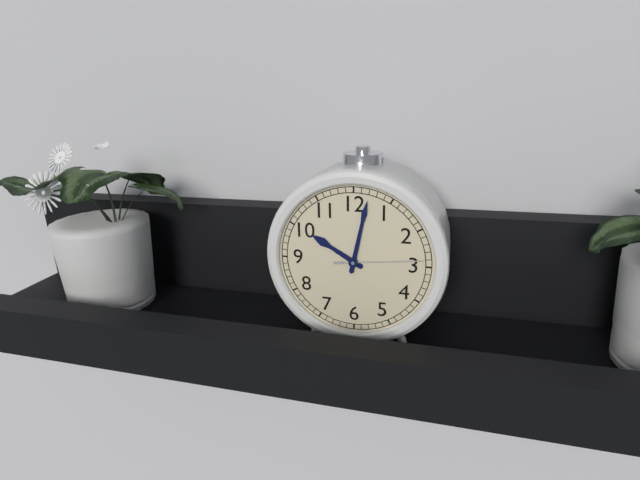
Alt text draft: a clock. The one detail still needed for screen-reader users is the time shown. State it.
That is 10:02:14
